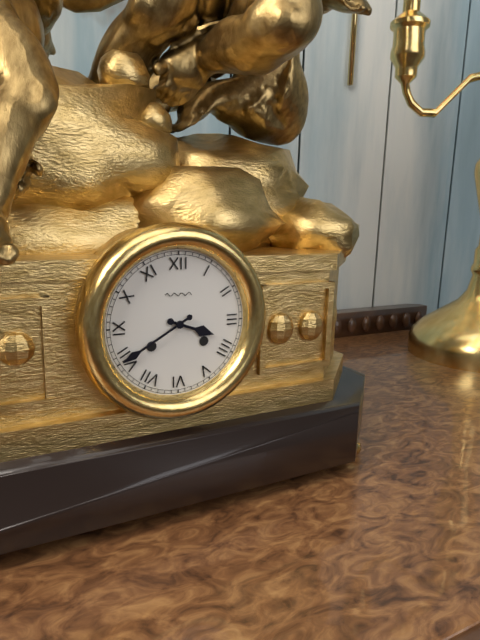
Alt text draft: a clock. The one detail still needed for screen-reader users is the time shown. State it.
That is 3:40
